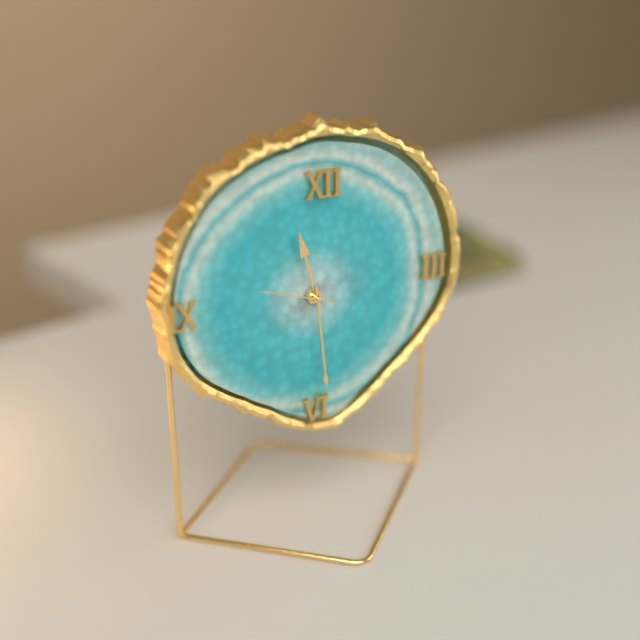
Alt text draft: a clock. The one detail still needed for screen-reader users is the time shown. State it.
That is 11:29:48
